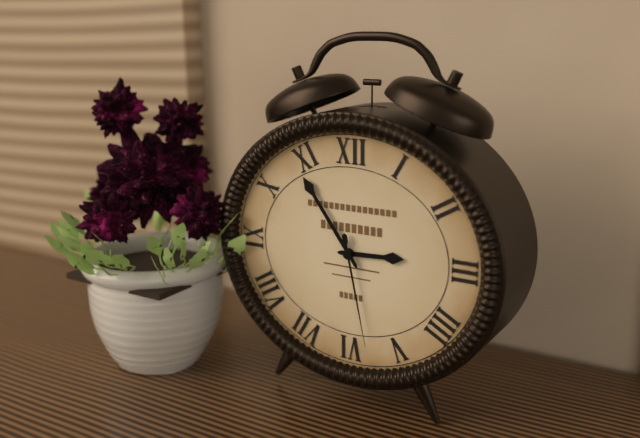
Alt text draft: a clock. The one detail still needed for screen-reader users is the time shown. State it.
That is 2:54:28
